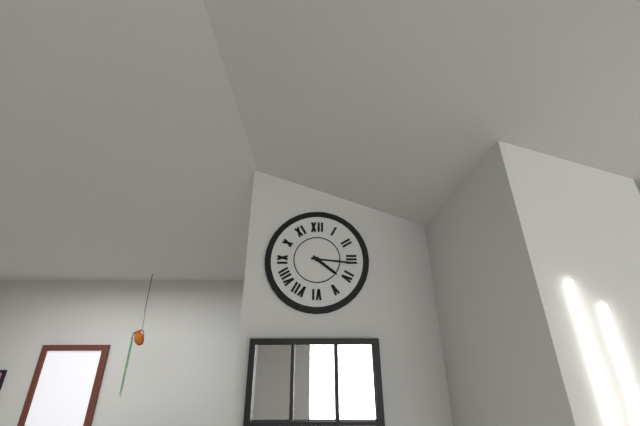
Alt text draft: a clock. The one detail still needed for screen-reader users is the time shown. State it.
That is 4:16
